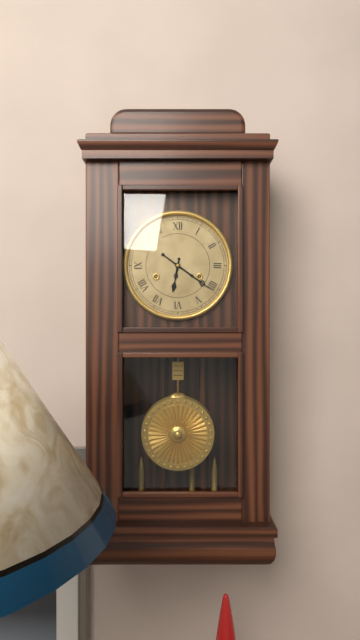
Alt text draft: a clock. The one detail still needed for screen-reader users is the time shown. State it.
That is 6:21
